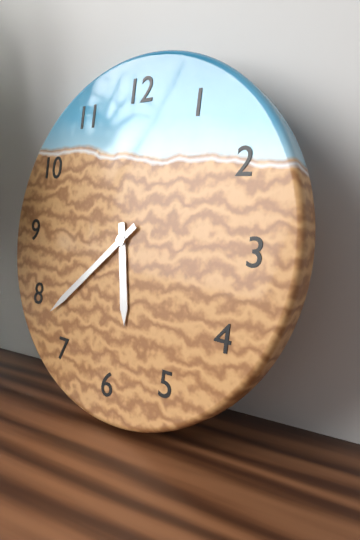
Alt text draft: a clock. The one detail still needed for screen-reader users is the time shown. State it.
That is 5:38
